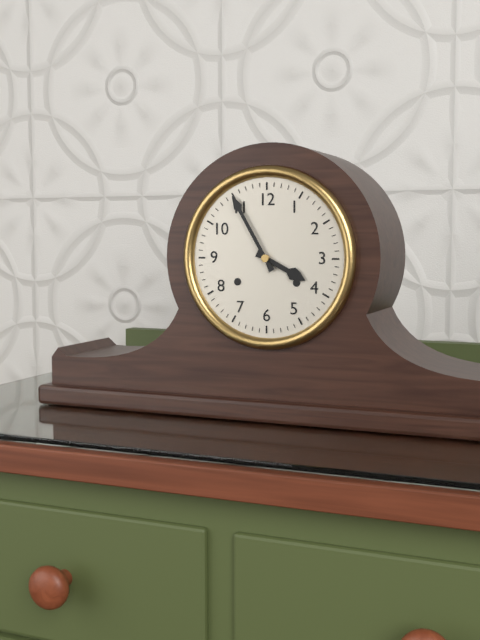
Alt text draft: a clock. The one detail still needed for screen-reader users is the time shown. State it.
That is 3:55
